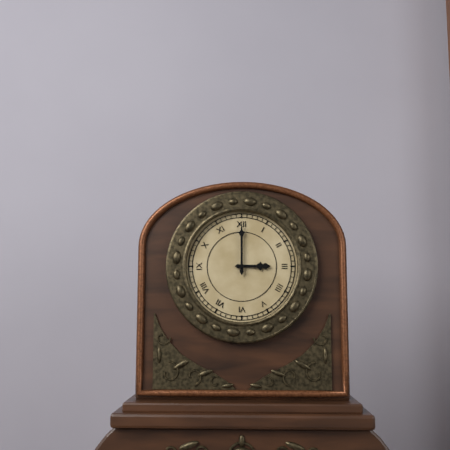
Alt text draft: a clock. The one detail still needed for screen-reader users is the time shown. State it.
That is 3:00
